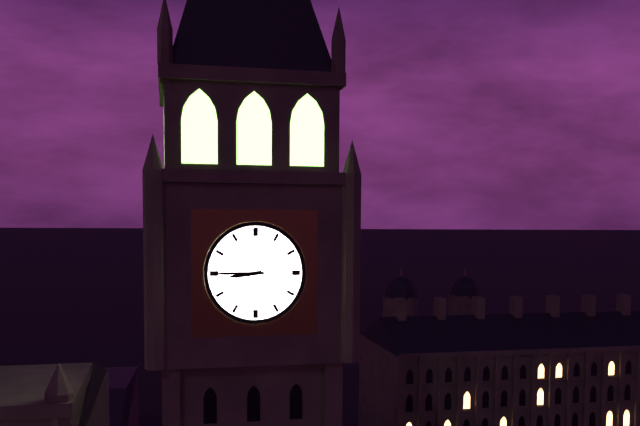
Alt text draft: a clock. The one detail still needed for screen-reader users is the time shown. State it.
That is 8:45
